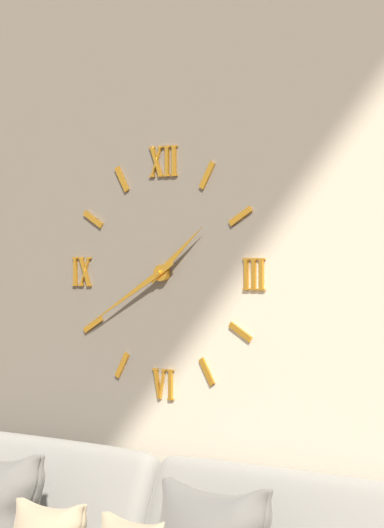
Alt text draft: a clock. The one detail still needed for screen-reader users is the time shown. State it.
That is 1:40
